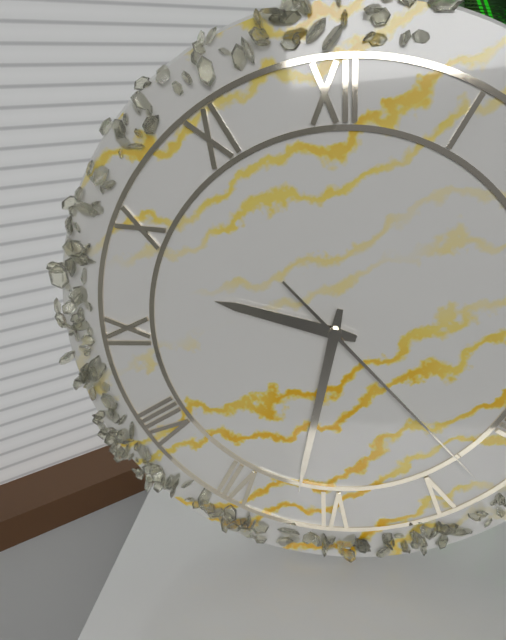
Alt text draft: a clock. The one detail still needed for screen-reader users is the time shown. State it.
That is 9:32:23
